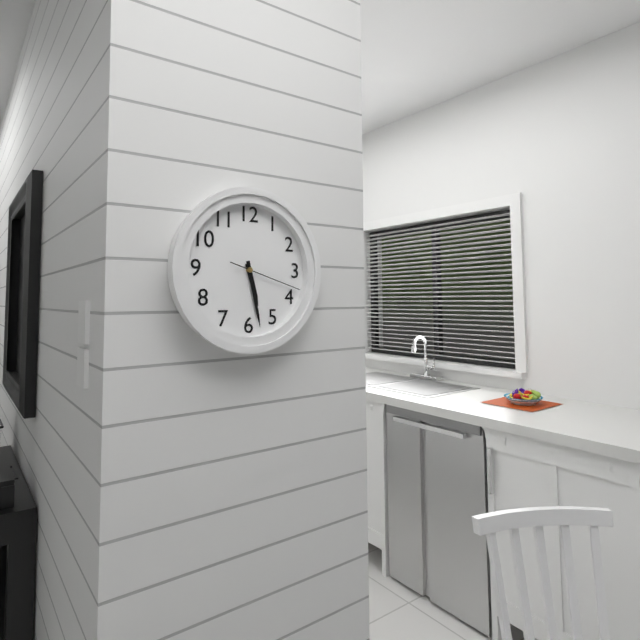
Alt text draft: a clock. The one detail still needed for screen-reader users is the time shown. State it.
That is 5:28:18
